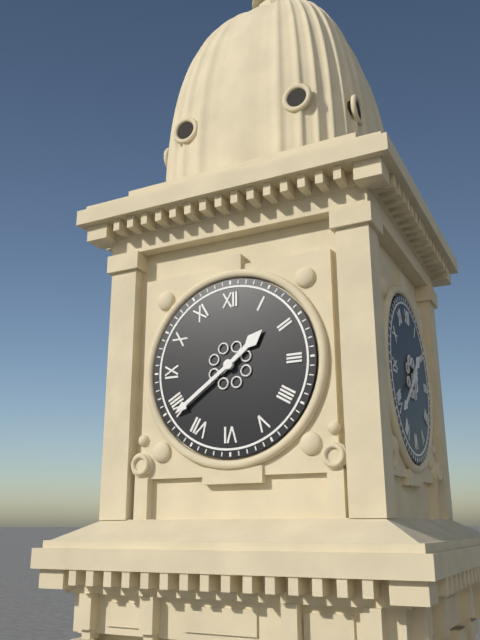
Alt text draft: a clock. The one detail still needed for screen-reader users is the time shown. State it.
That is 1:39
